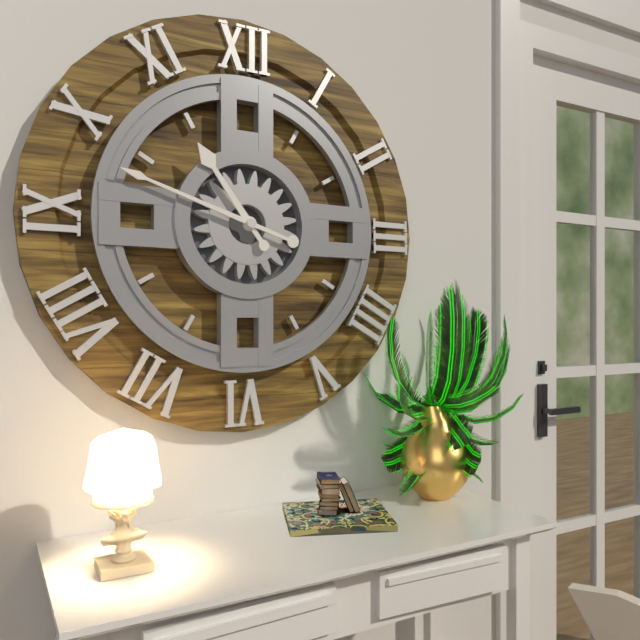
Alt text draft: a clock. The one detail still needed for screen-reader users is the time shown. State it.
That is 10:48
